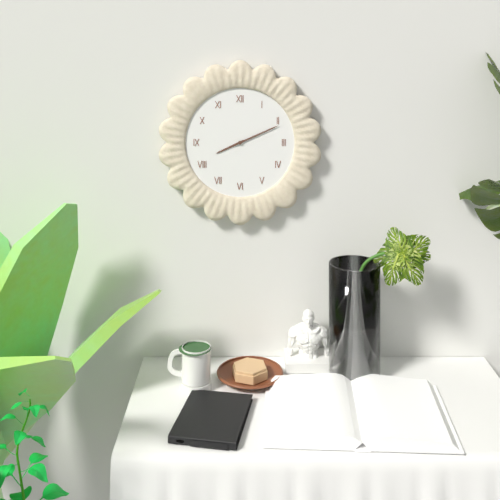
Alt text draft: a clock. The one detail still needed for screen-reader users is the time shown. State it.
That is 8:11
